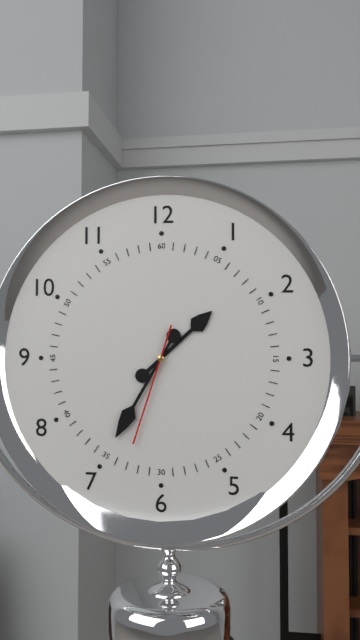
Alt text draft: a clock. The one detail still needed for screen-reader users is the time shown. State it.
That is 1:35:33
